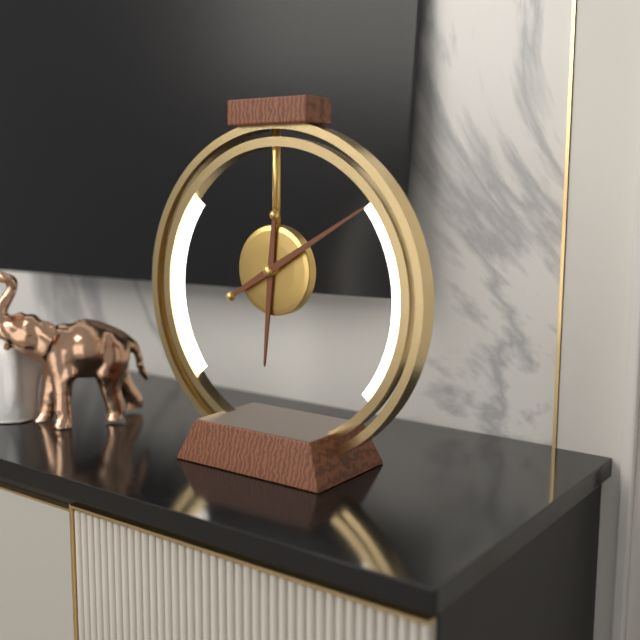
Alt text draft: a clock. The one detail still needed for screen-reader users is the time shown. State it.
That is 6:10
